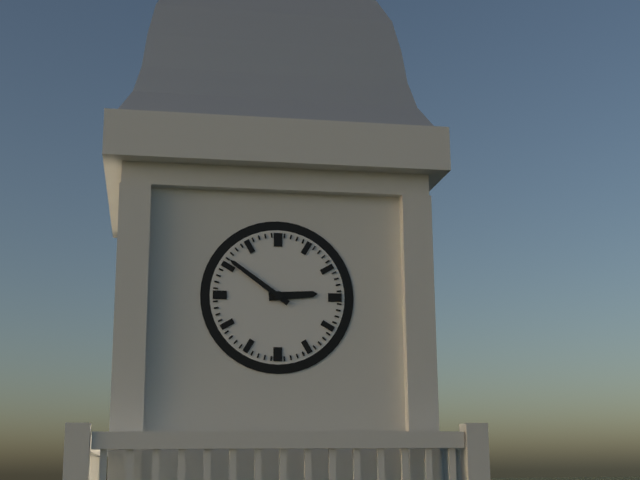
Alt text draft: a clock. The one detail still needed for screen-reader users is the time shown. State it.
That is 2:51
